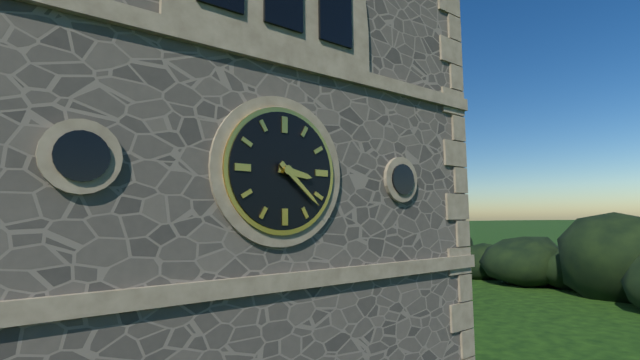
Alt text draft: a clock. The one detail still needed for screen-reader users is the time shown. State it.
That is 3:22
